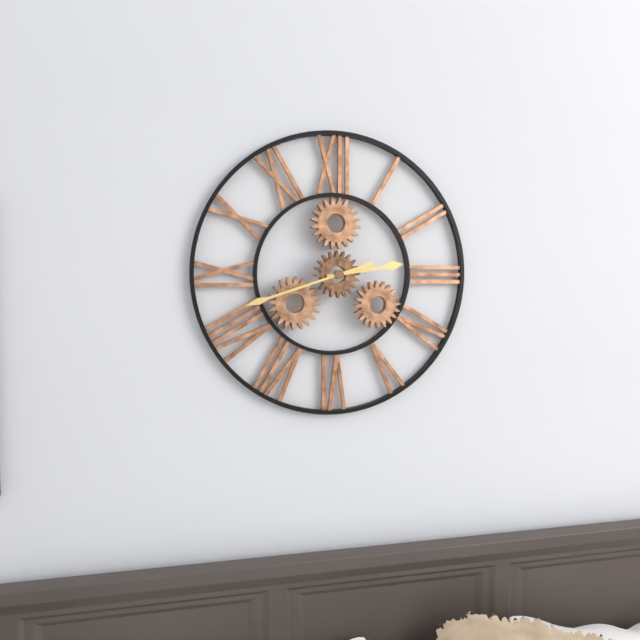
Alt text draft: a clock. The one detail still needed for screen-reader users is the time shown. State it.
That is 2:42
